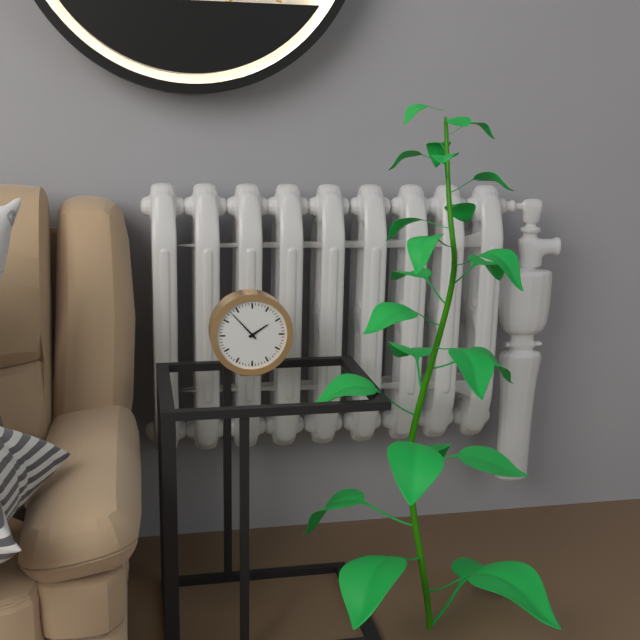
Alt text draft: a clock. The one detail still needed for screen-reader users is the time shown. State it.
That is 1:53
